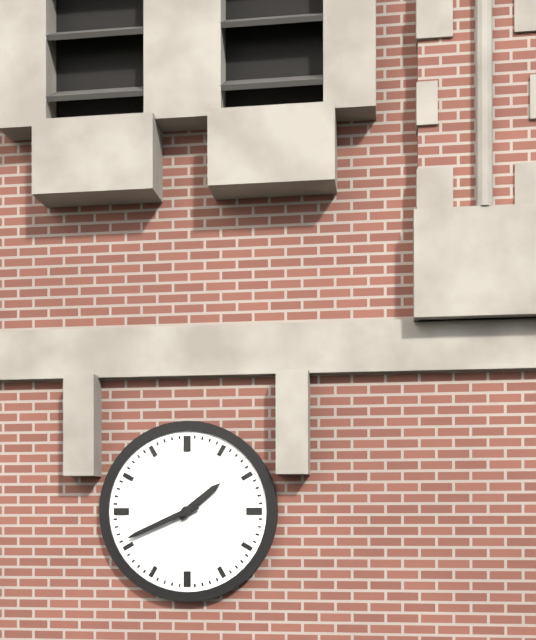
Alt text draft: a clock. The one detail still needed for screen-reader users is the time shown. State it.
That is 1:41
